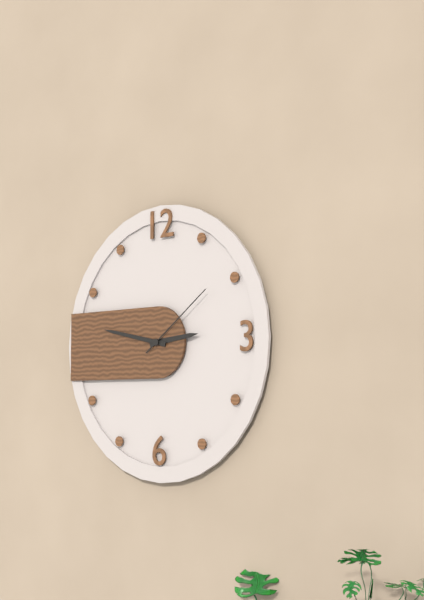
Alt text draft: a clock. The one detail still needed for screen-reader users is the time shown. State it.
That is 2:47:09
